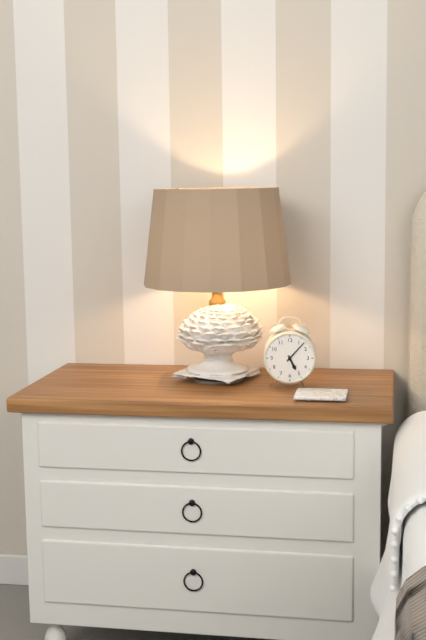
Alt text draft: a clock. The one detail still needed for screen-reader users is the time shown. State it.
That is 5:07
